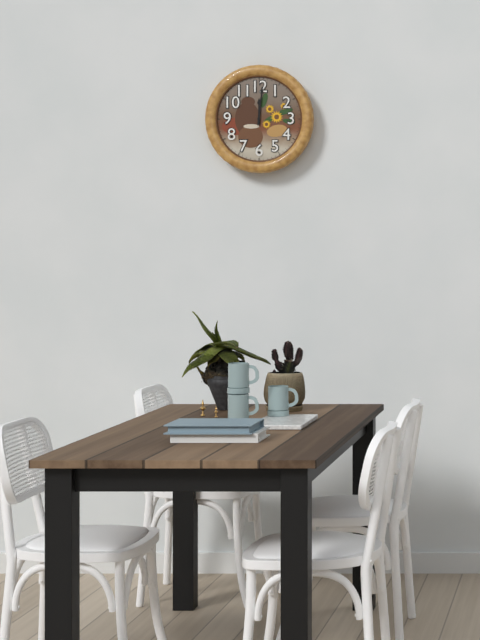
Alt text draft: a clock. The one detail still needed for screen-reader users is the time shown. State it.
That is 12:01
